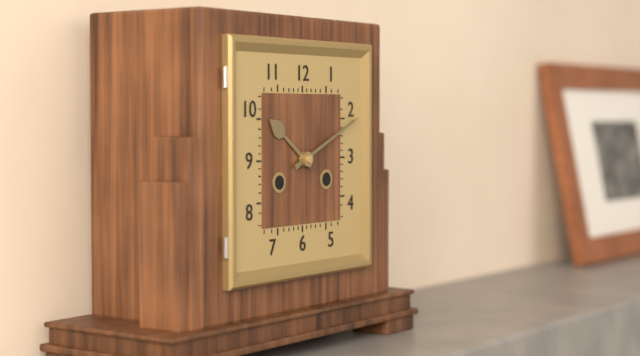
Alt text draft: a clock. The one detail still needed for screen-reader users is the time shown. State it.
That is 10:11
